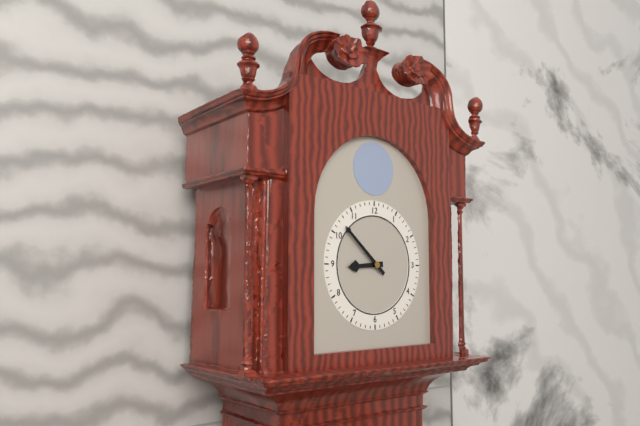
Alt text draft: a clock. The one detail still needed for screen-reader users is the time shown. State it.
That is 8:52
